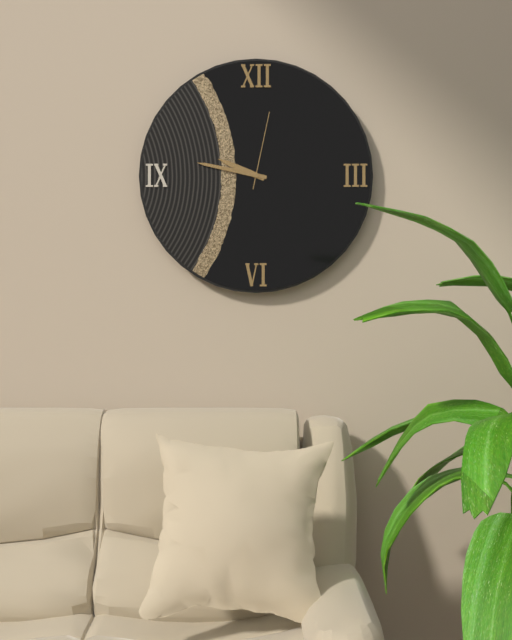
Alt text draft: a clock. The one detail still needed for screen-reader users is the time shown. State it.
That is 9:47:02
